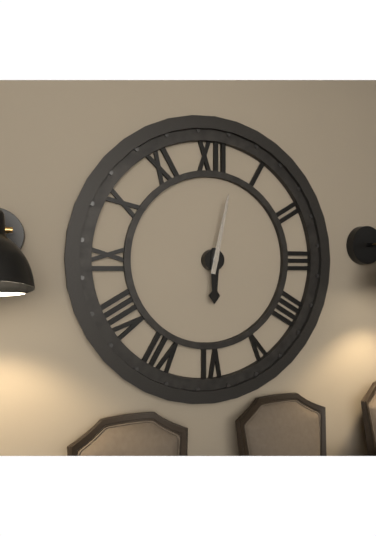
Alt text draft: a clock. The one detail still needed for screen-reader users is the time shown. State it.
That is 6:02
